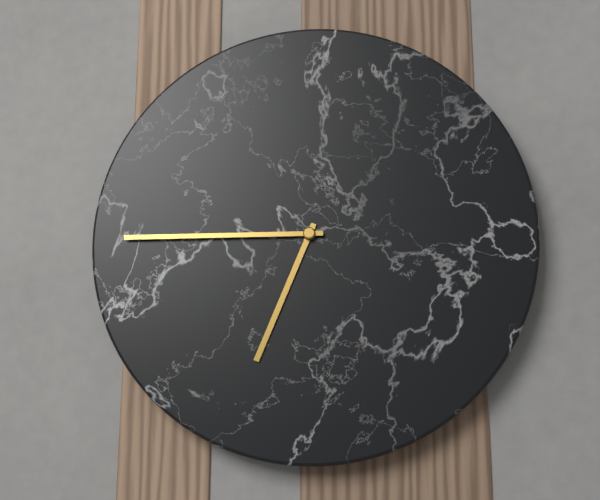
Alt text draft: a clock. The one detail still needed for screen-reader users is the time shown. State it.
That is 6:45
